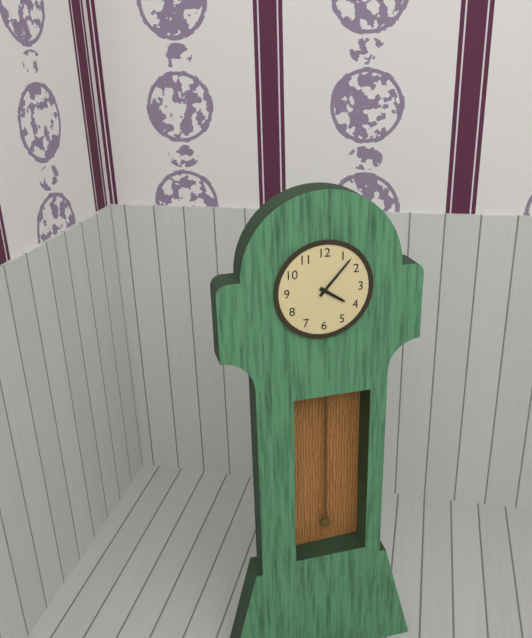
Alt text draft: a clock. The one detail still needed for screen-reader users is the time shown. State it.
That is 4:07
